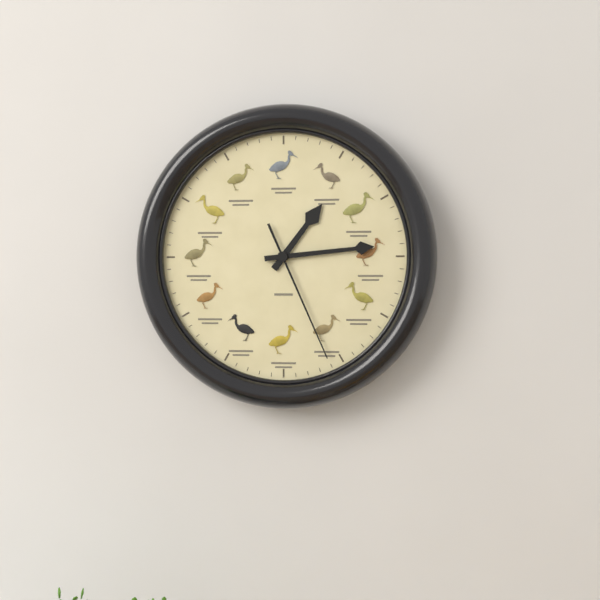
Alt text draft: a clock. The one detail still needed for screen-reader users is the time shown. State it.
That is 1:14:26
